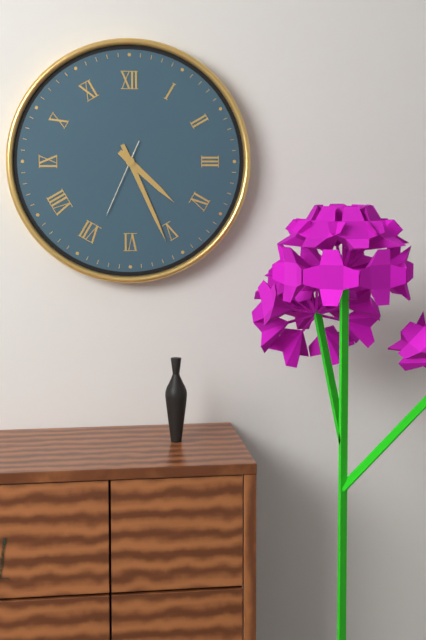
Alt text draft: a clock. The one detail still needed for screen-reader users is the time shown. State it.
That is 4:26:34
